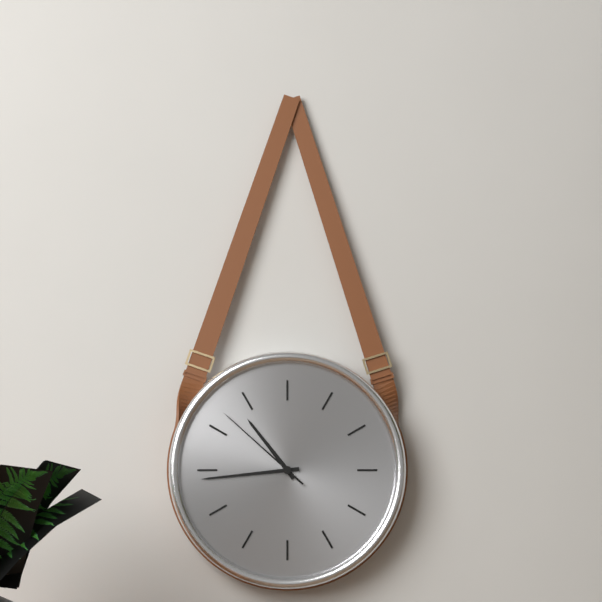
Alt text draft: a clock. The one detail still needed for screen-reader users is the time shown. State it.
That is 10:44:52
